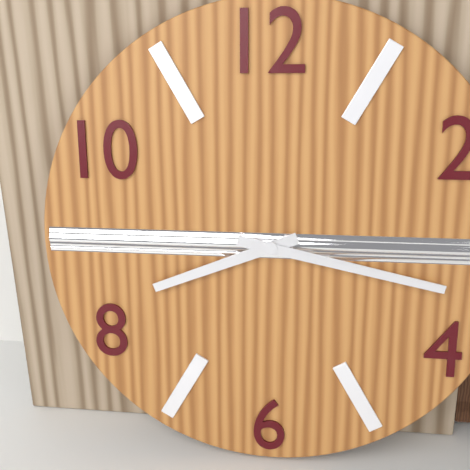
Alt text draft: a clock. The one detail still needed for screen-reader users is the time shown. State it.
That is 8:17
